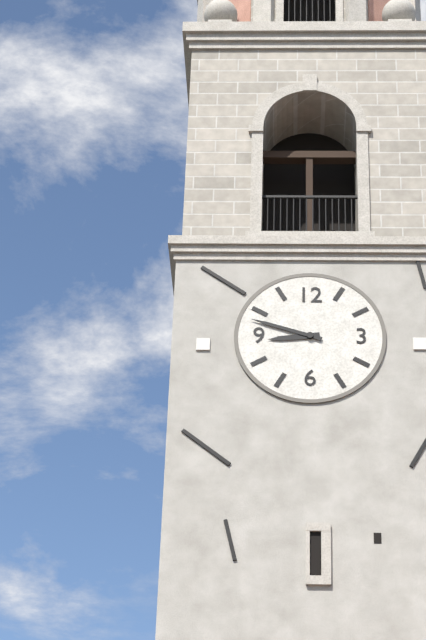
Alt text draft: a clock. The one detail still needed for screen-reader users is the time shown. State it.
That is 8:48
